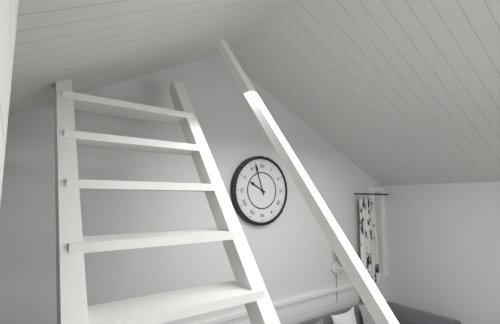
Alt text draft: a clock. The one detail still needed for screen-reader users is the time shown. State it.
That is 9:57
